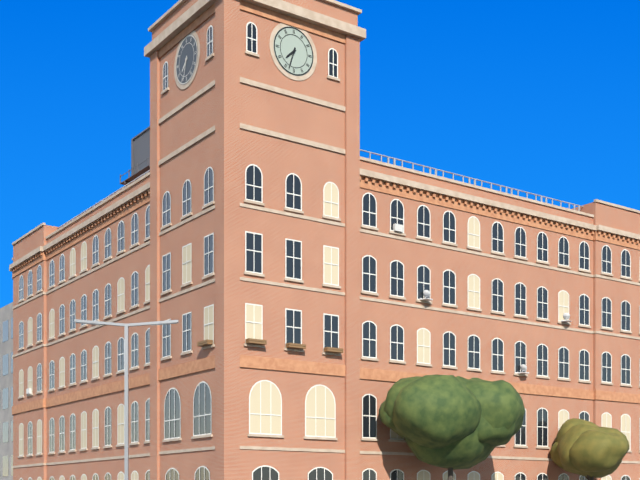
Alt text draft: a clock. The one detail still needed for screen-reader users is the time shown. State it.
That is 7:33
